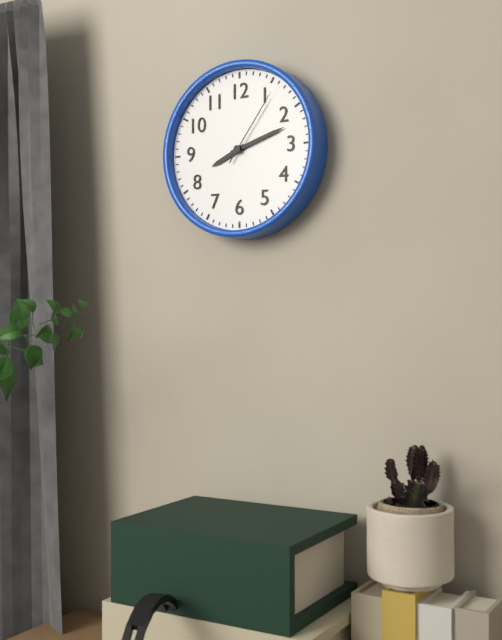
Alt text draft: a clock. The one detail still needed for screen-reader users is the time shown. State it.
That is 8:12:06
